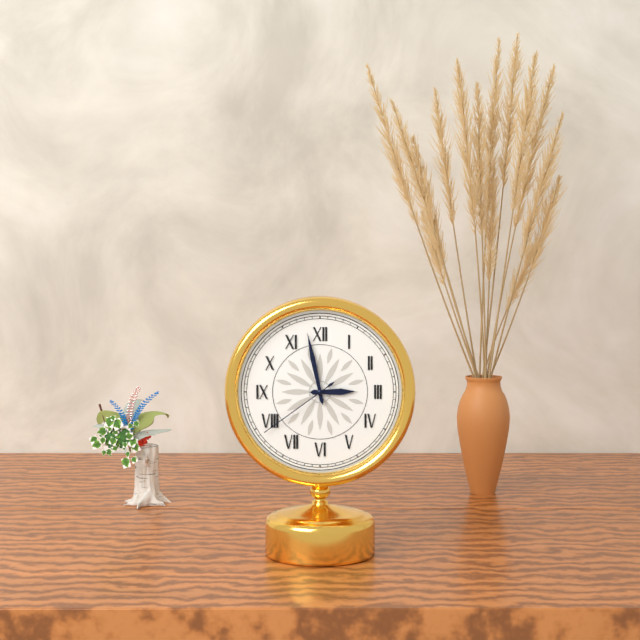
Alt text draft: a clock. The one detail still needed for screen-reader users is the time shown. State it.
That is 2:58:39
